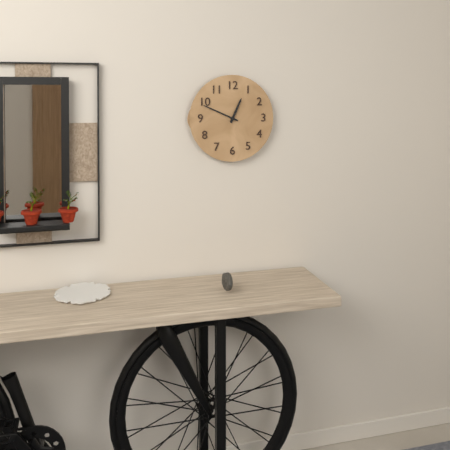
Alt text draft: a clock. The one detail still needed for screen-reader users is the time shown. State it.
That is 12:49
